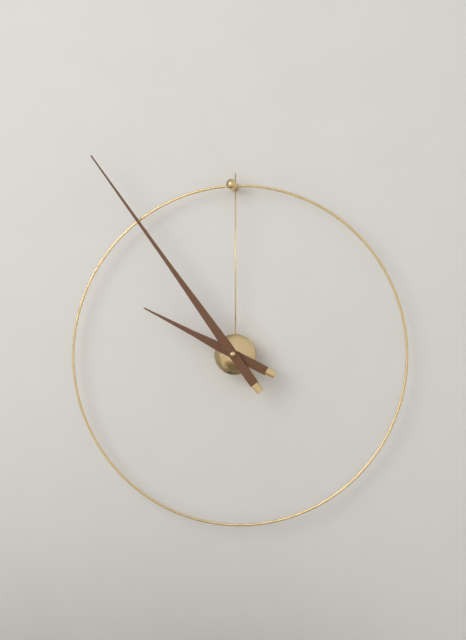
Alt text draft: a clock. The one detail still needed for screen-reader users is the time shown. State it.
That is 9:54
